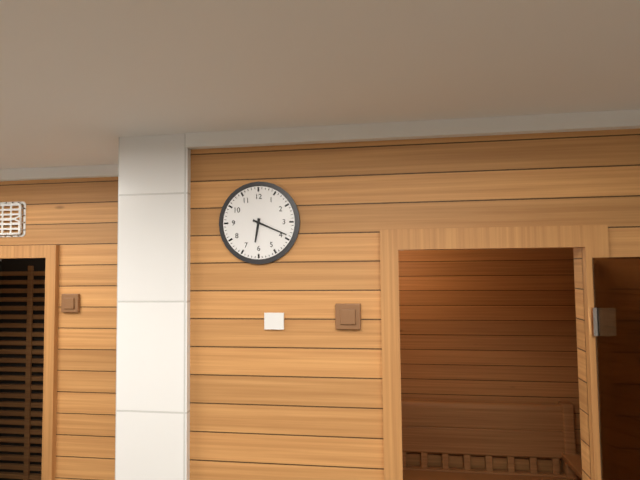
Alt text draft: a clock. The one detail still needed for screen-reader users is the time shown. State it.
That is 6:19
